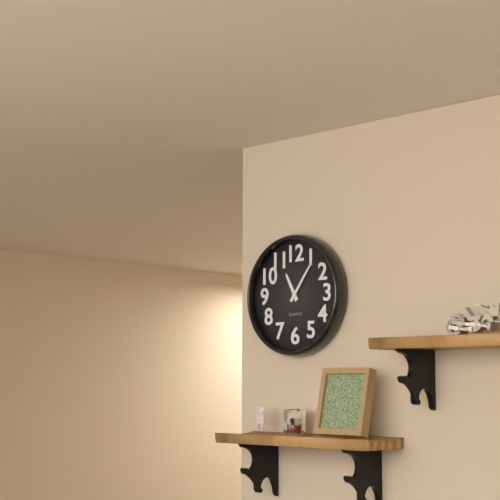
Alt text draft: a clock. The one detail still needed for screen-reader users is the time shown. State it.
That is 11:06
